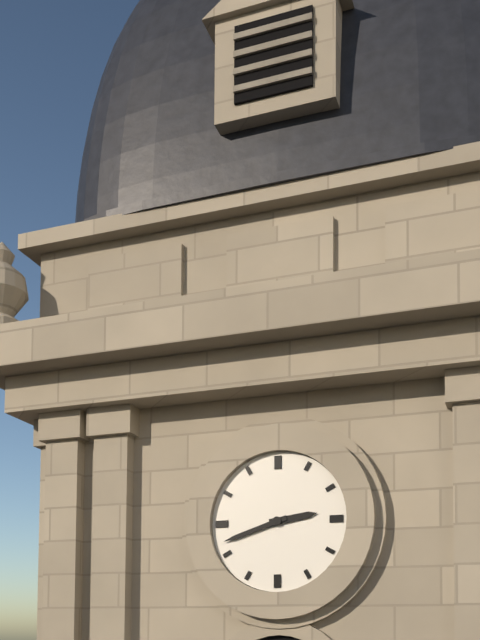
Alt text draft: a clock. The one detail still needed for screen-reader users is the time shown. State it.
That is 2:42
